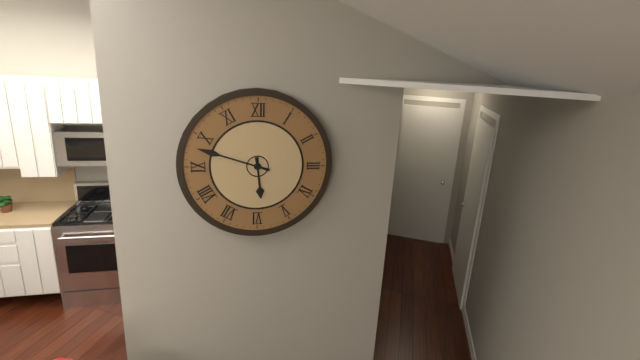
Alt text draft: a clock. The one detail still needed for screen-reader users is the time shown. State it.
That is 5:48
